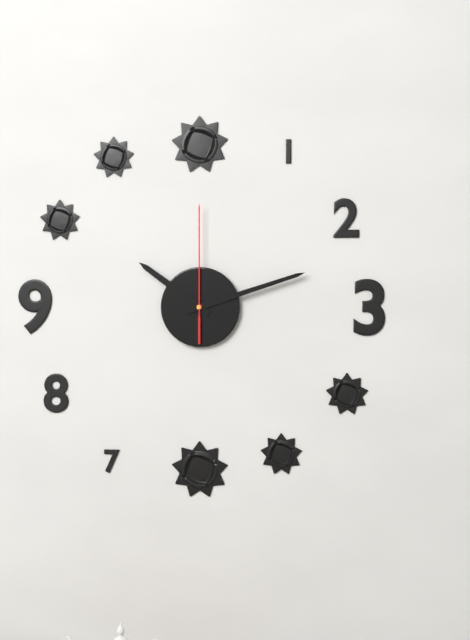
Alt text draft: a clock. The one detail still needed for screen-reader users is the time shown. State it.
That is 10:12:00
